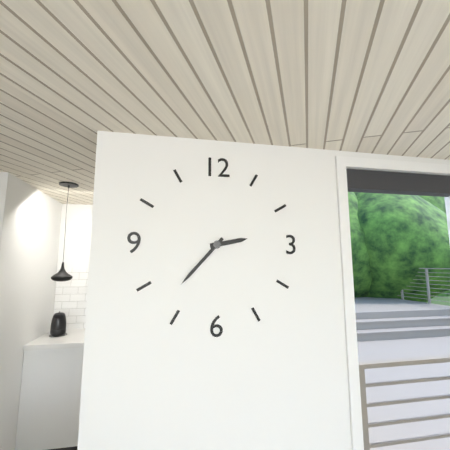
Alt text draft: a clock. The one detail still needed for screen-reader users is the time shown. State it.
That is 2:37
